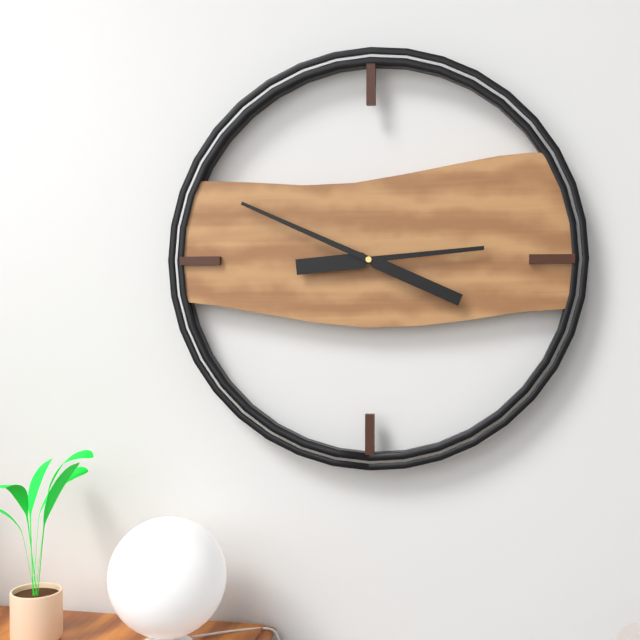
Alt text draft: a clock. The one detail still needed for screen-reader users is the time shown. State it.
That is 2:49
